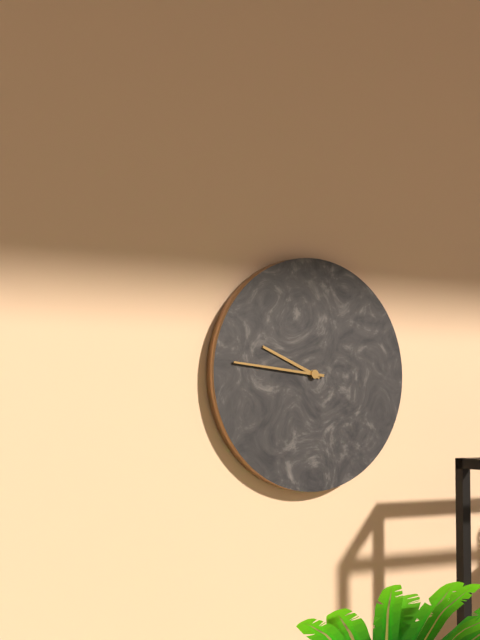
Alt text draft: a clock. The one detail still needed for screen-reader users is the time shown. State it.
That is 9:46
